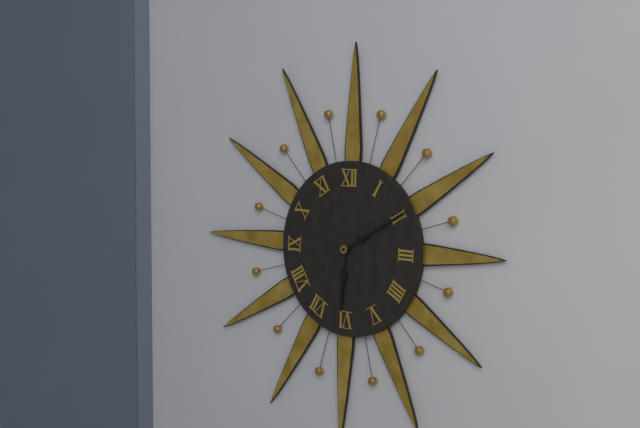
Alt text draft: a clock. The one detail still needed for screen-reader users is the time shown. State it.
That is 6:10
